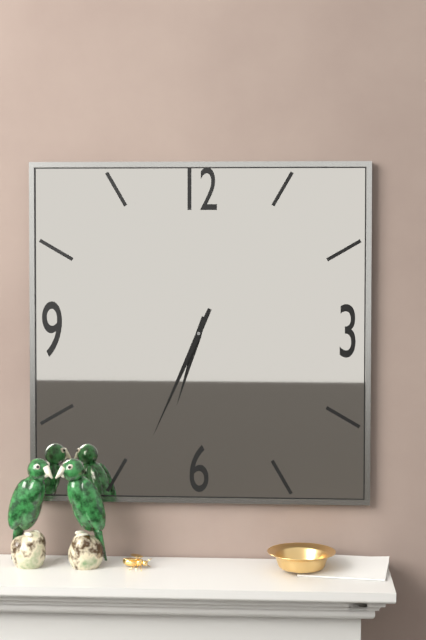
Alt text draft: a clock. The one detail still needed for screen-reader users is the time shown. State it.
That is 6:34
